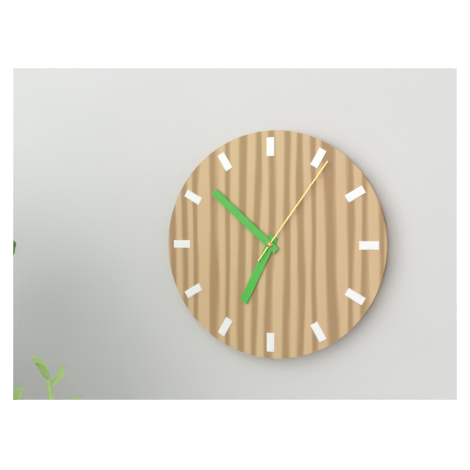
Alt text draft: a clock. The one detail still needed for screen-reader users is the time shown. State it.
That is 6:52:06
